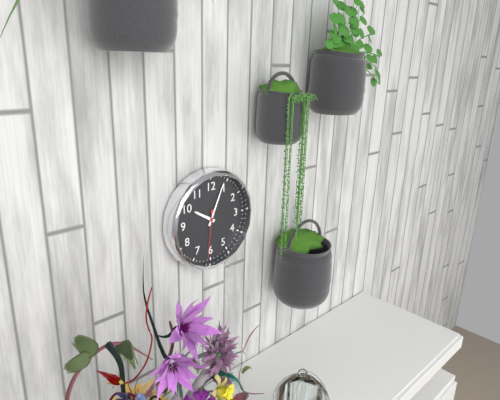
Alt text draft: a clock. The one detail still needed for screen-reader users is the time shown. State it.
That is 10:04:31
